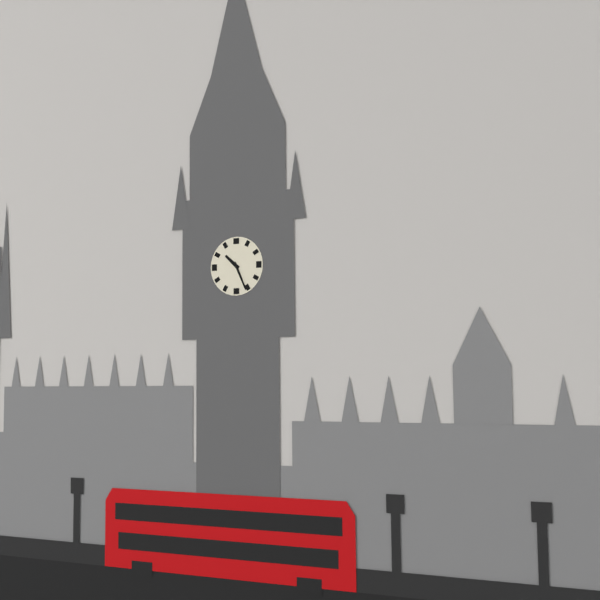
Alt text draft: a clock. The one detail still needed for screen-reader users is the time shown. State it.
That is 10:26
